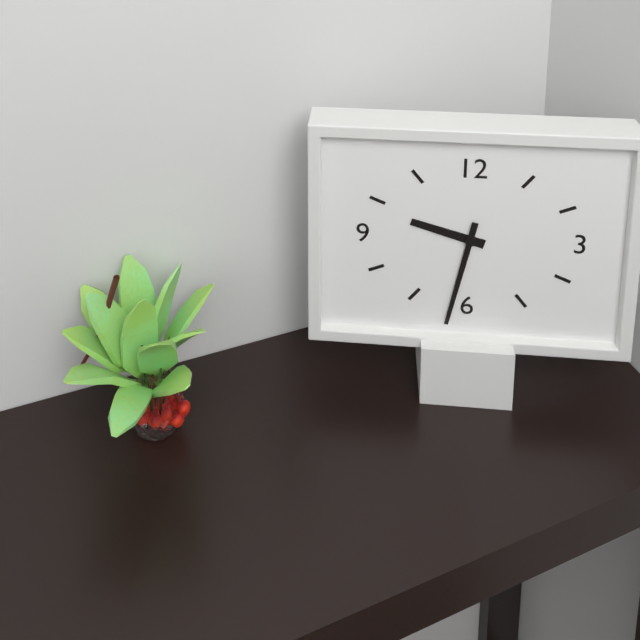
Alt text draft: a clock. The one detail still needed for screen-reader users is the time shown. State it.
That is 9:32
